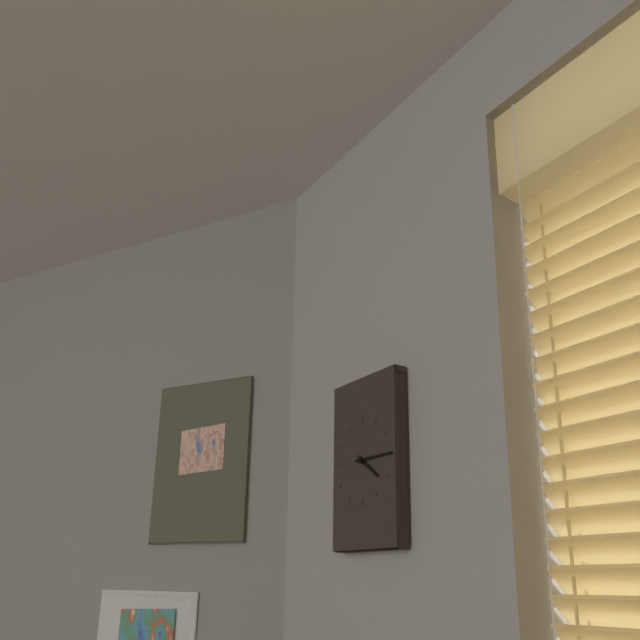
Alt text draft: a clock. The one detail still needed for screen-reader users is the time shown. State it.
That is 4:15
